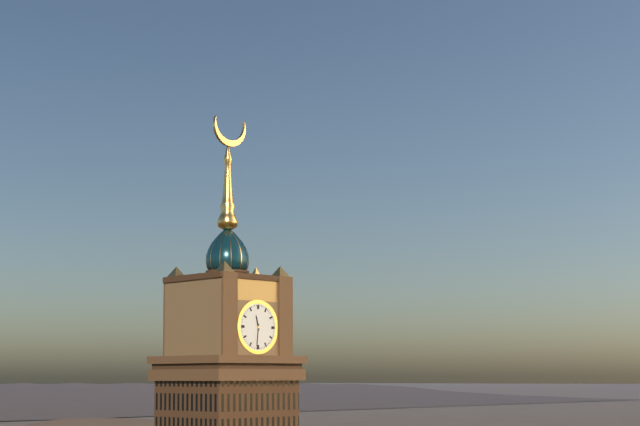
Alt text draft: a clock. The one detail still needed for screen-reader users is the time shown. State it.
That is 11:31
